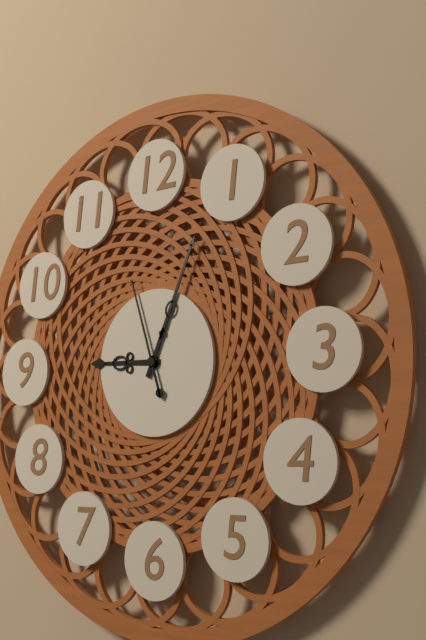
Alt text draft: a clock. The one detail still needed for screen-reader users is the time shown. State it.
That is 9:04:57
